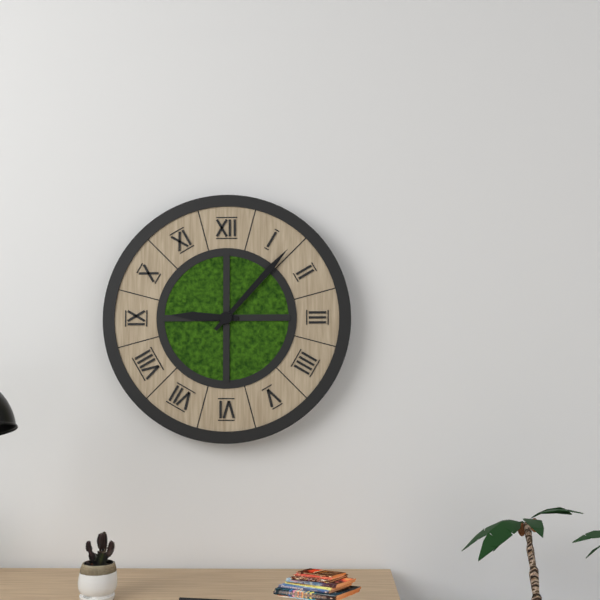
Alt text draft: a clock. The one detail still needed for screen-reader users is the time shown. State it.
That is 9:07
